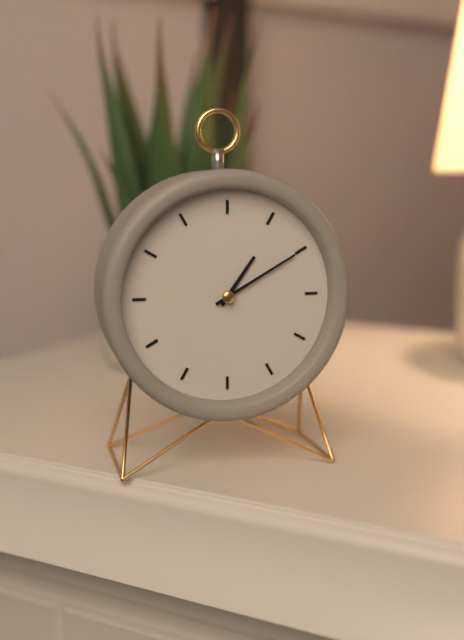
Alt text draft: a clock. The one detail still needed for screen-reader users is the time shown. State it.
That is 1:10
